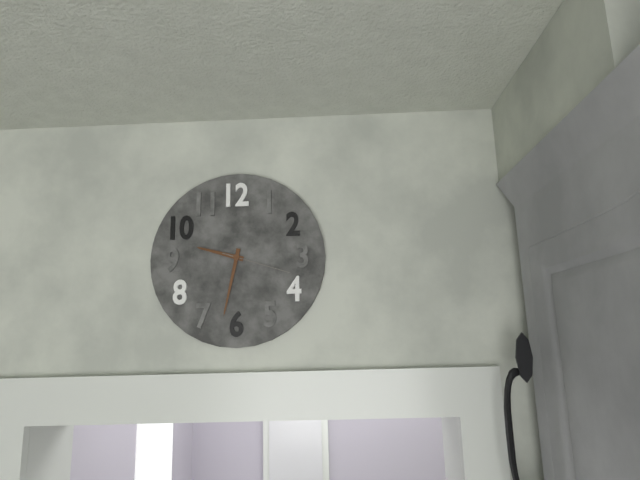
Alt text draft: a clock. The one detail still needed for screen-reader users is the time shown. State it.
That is 9:32:18
